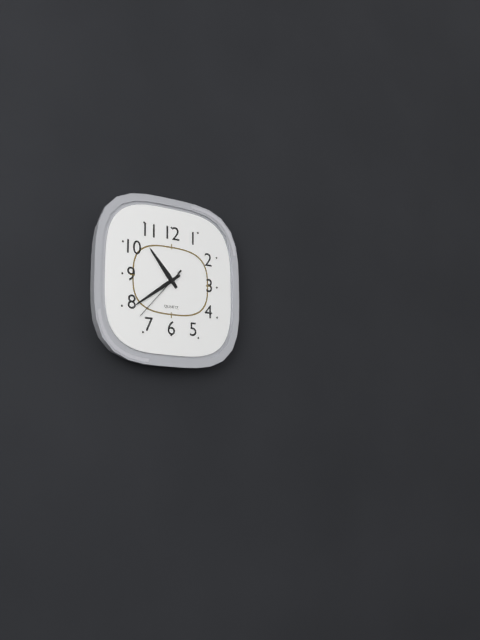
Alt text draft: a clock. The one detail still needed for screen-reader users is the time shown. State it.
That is 10:39:37
